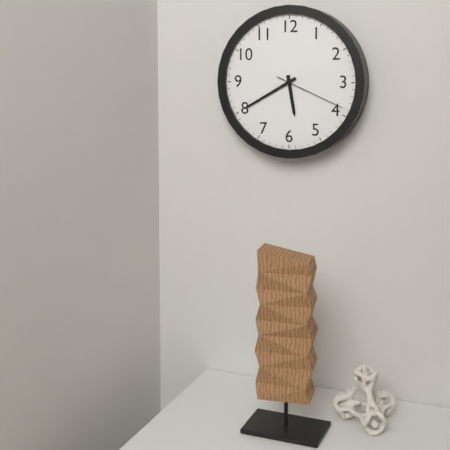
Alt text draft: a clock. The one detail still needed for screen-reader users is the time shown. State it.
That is 5:40:19
